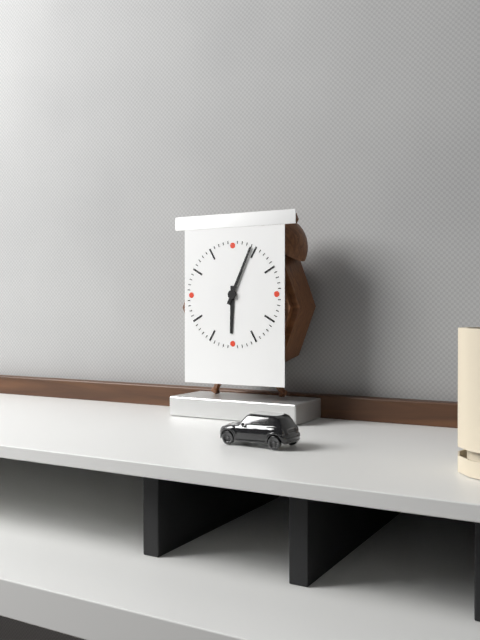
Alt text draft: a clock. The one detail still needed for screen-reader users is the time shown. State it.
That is 6:04
